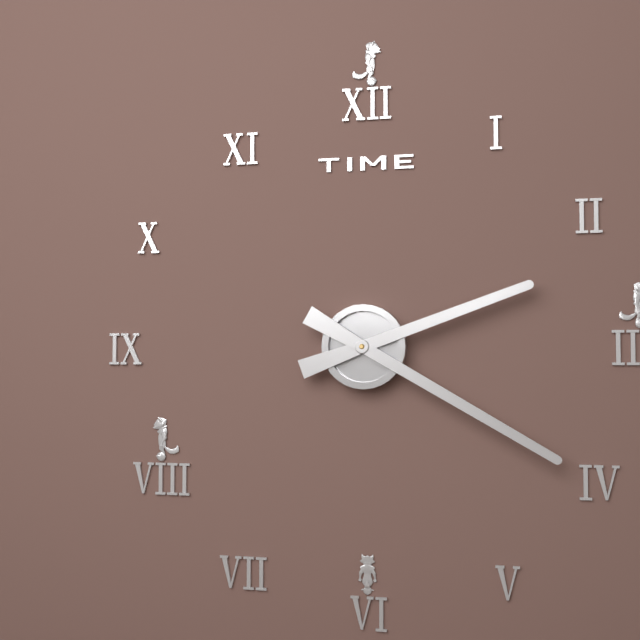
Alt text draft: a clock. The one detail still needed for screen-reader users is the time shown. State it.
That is 2:20
